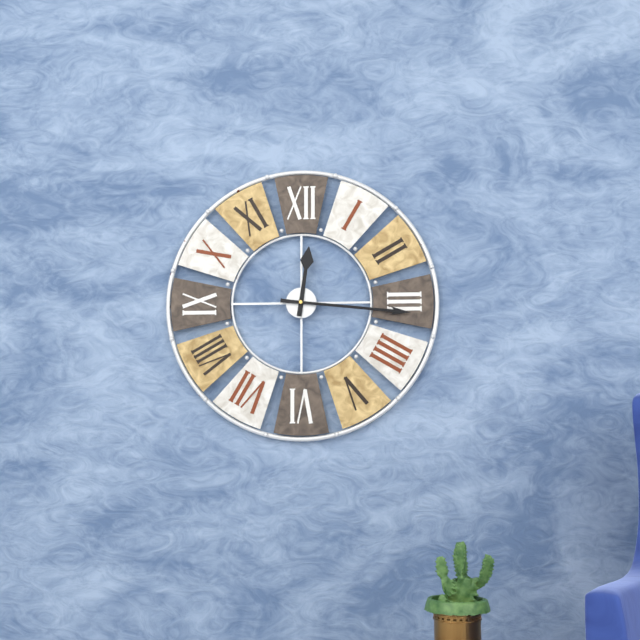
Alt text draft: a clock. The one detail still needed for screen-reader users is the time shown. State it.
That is 12:16
